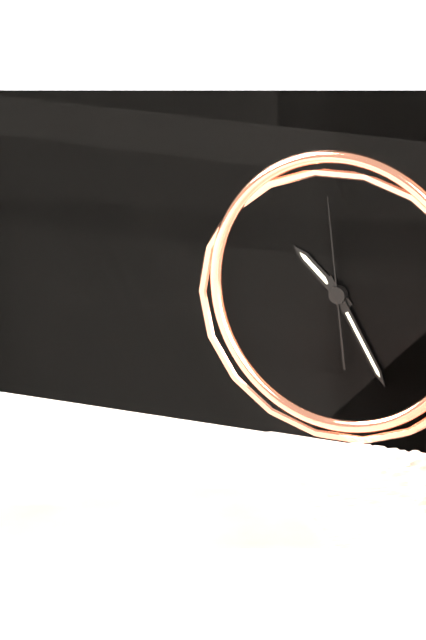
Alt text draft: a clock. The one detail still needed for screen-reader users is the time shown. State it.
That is 10:25:59
